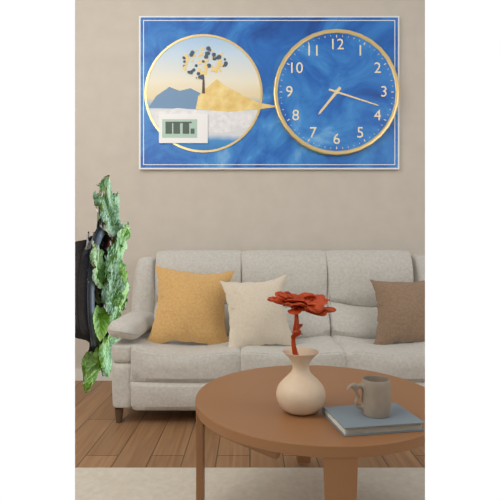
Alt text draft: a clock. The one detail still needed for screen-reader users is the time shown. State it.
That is 7:18
